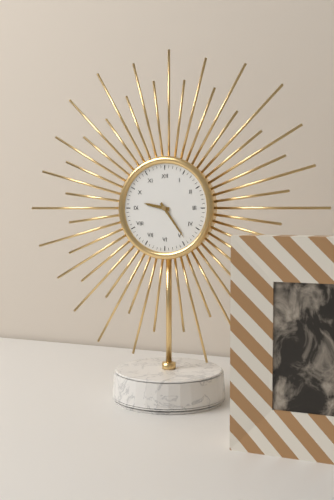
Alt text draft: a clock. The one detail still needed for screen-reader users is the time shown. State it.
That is 9:24
